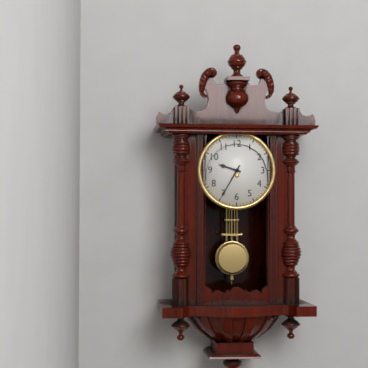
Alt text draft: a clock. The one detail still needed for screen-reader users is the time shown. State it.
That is 9:35
